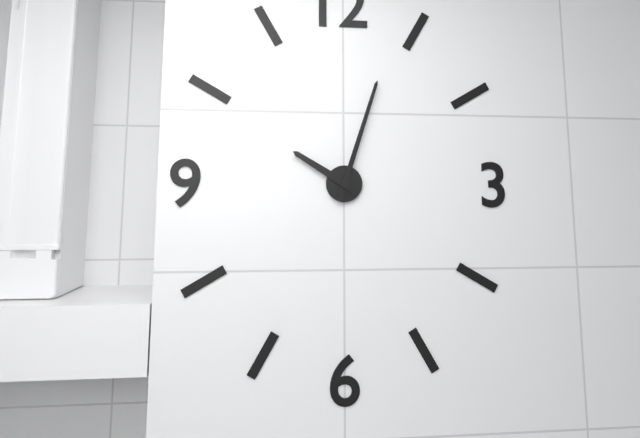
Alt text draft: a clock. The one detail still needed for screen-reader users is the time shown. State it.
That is 10:03
